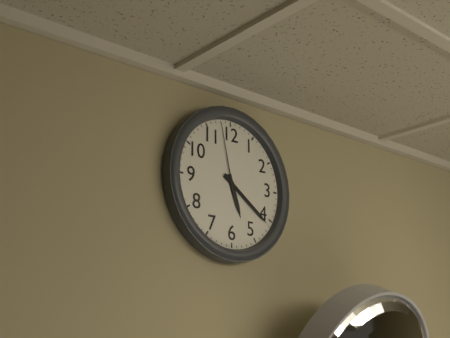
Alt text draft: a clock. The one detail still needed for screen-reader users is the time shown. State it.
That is 5:21:58
